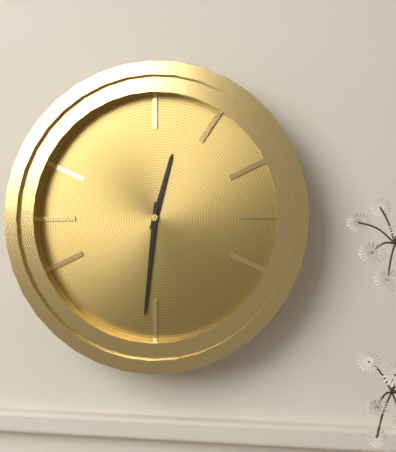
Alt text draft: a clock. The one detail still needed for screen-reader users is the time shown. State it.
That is 12:31
